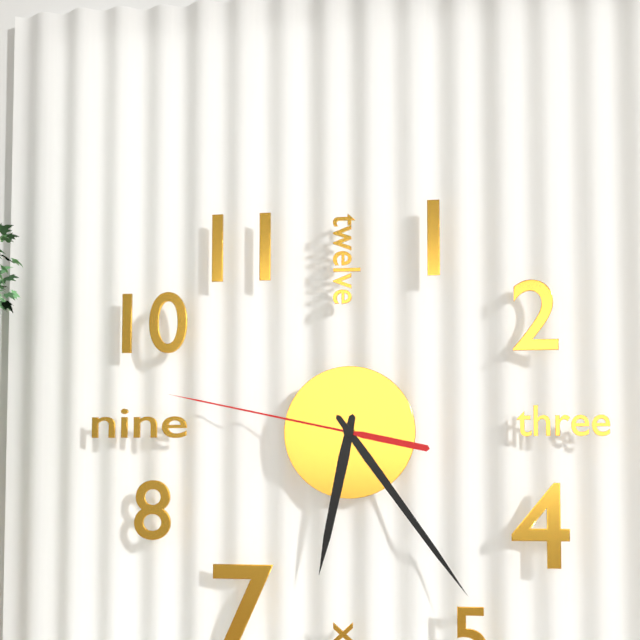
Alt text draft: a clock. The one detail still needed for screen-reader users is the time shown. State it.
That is 6:24:47
